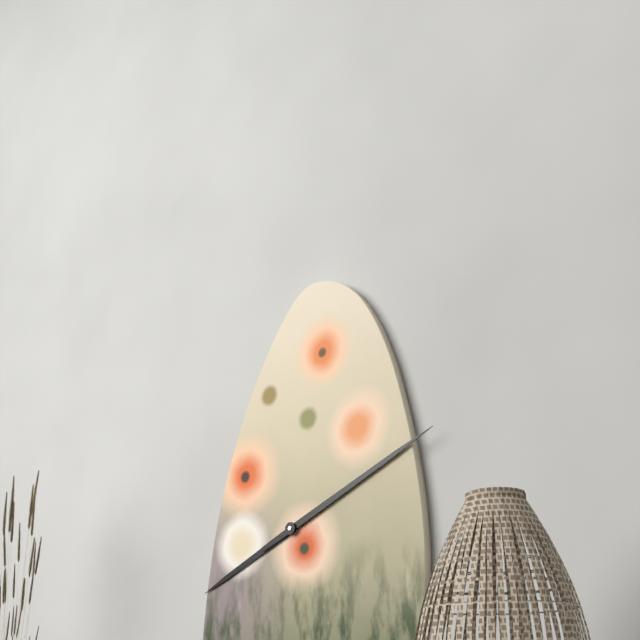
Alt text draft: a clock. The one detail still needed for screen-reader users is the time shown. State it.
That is 8:11
